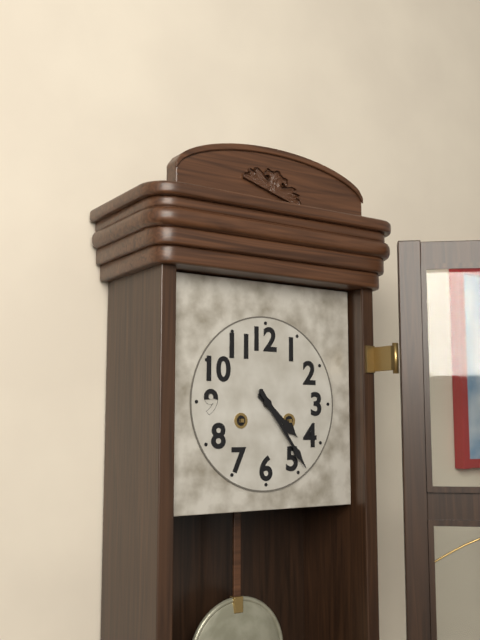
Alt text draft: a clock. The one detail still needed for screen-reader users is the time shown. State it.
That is 4:24
